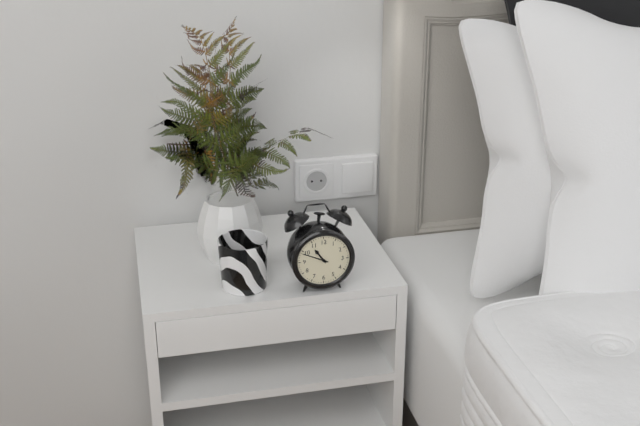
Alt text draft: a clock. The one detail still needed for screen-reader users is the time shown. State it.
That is 10:49
